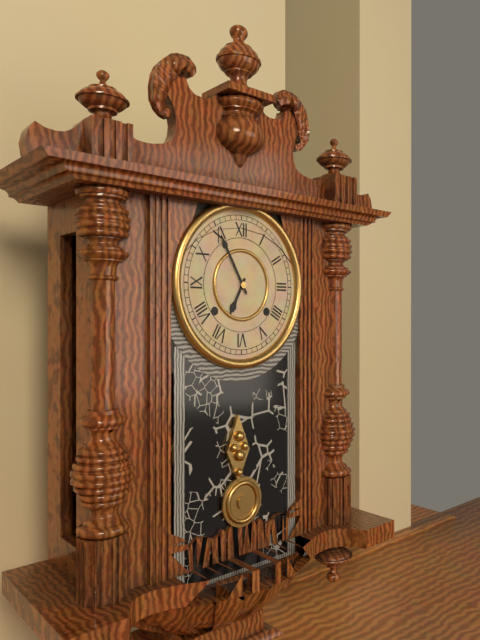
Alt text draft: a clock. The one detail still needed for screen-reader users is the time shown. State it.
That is 6:55
